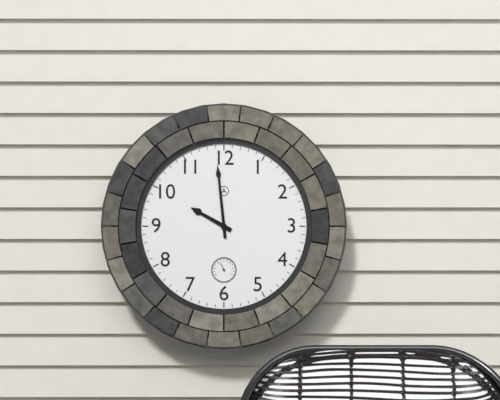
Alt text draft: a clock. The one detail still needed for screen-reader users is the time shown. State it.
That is 9:59
